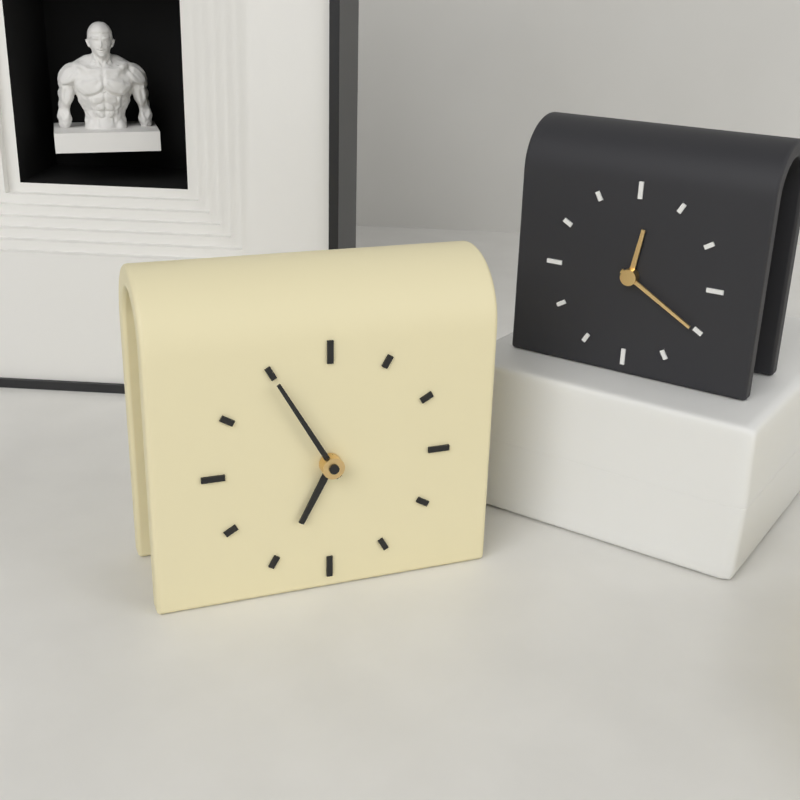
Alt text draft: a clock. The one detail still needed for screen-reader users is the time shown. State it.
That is 6:55
